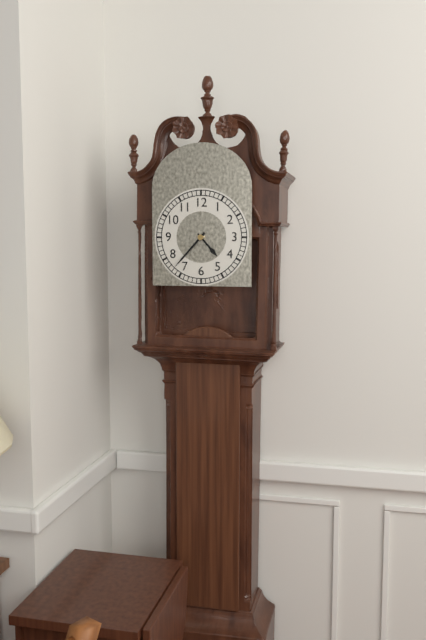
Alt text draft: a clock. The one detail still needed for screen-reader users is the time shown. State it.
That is 4:37
